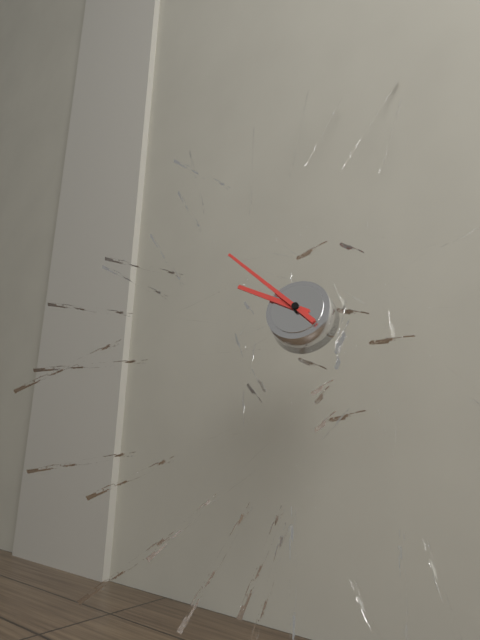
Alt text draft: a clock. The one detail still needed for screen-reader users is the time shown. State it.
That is 9:52
